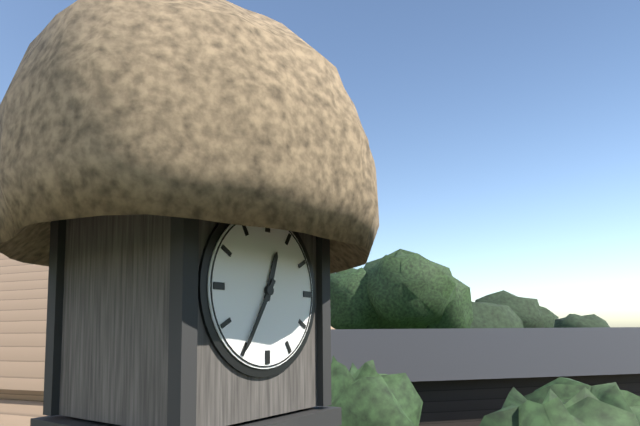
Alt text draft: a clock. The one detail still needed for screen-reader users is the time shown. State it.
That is 12:35
